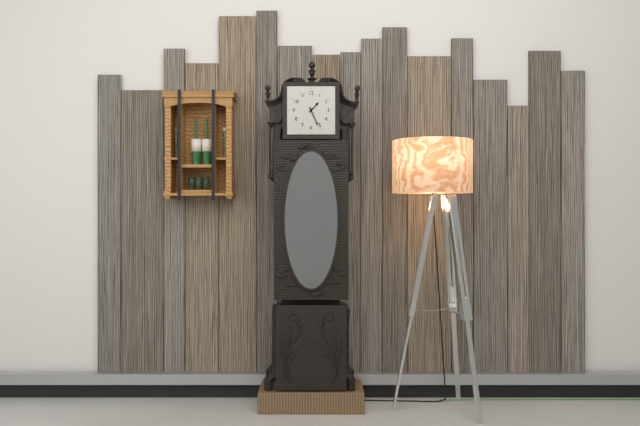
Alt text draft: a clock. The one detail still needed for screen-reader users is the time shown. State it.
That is 1:26
